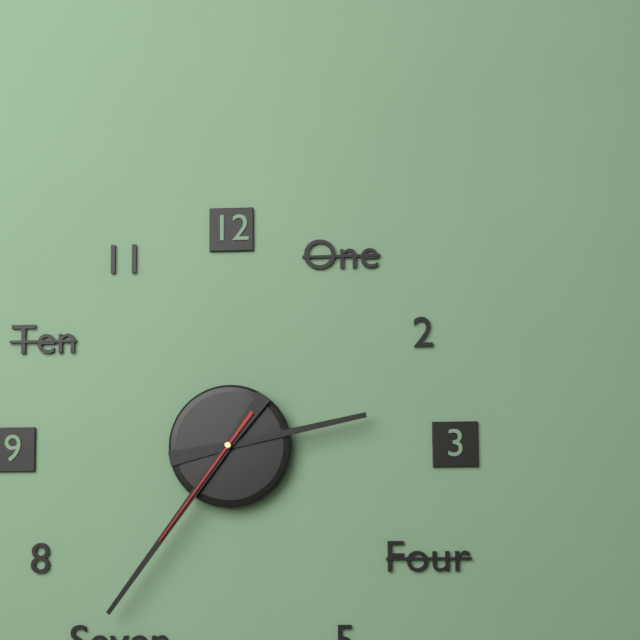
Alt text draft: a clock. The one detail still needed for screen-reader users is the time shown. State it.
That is 2:36:36
